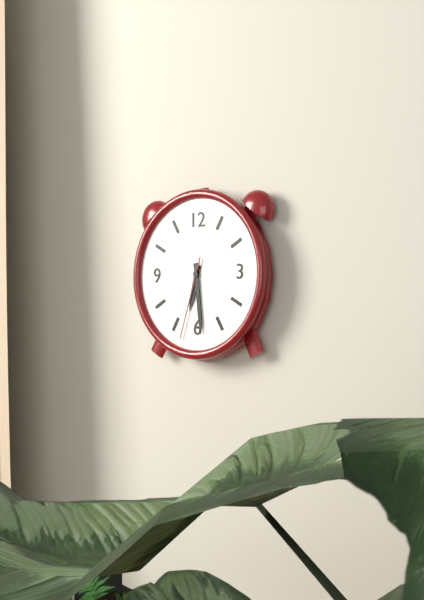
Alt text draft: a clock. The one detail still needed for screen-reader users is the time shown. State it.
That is 6:29:33
